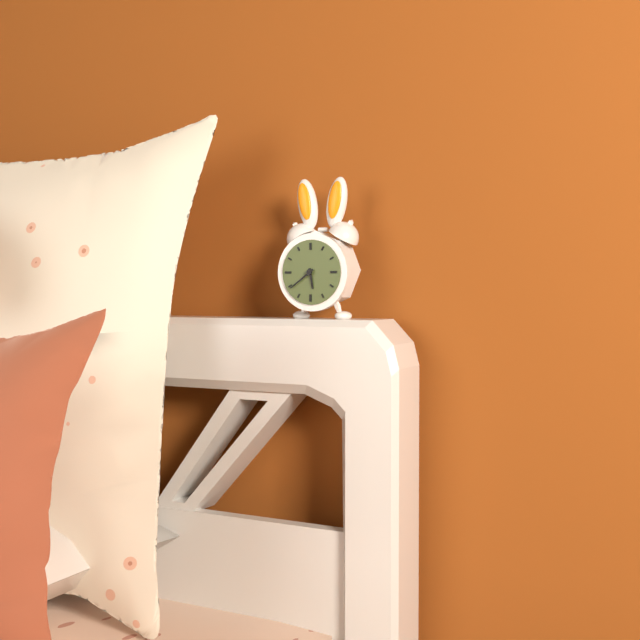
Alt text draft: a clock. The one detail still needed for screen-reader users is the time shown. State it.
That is 5:39
